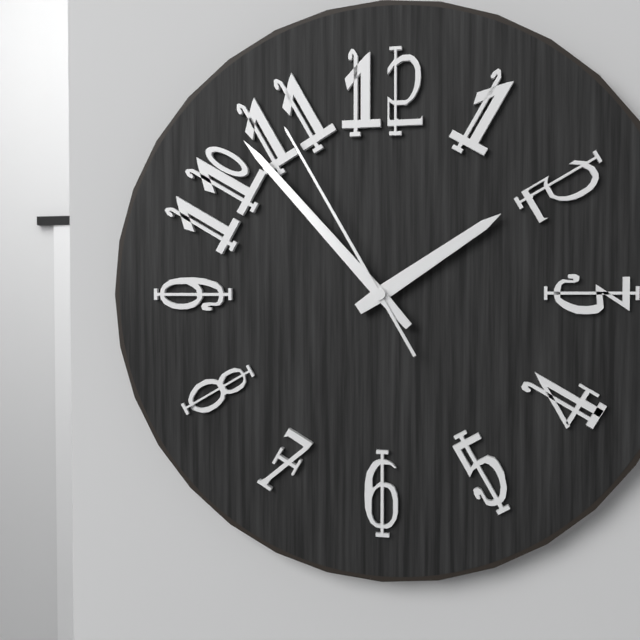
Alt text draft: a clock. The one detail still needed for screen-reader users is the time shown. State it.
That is 1:53:55
